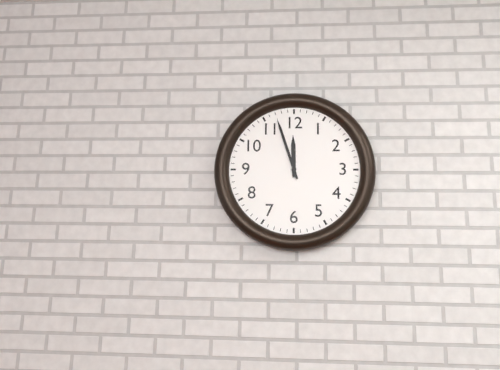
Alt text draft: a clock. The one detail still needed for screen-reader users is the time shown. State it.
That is 11:57
